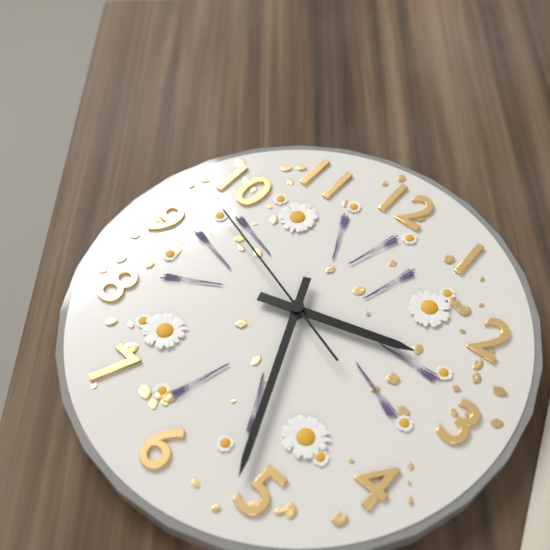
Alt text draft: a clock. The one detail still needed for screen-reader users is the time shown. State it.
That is 2:26:48
